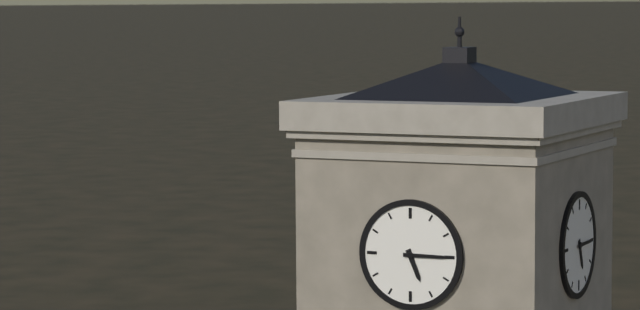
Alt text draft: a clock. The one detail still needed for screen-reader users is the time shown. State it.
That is 5:15
